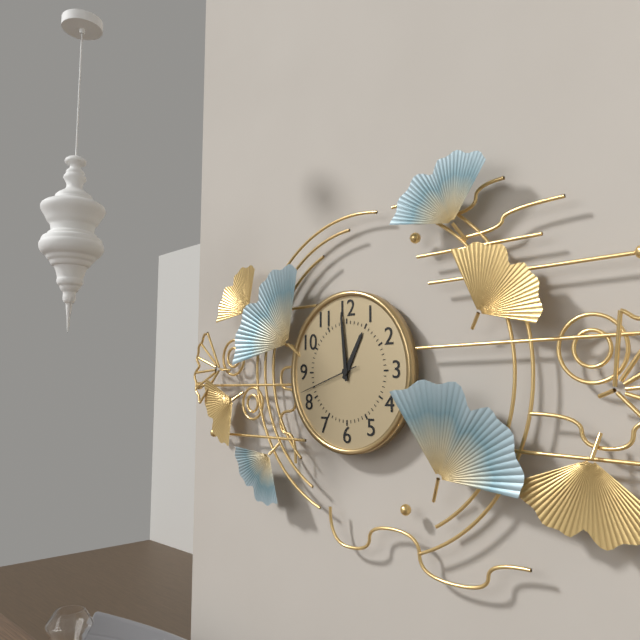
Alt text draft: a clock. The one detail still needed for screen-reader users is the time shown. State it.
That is 12:59:42
